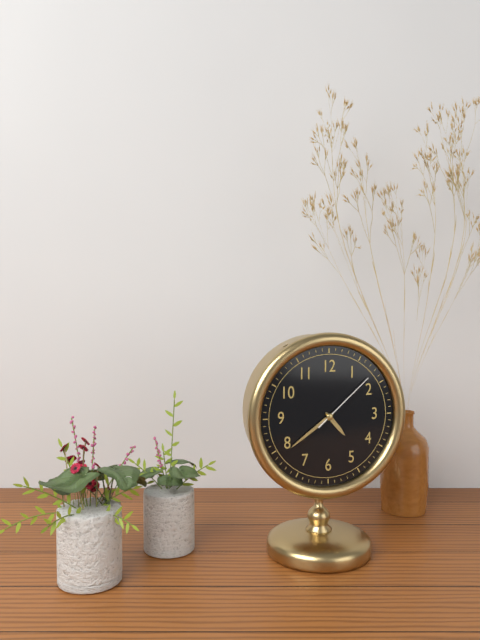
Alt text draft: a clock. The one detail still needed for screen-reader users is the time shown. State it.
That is 4:39:08
